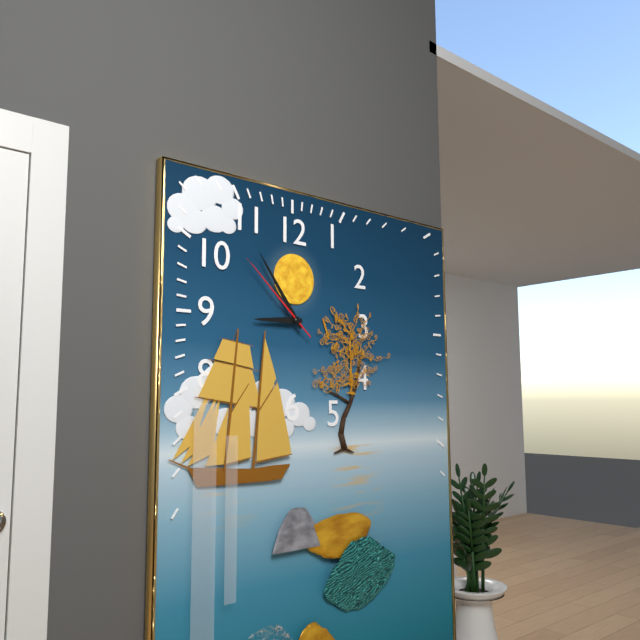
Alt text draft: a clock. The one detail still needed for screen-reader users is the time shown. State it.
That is 8:54:52
